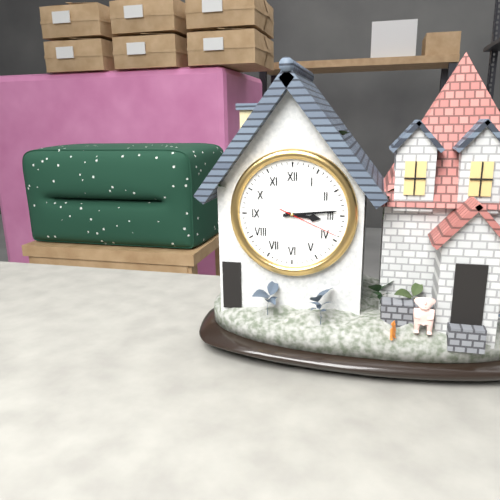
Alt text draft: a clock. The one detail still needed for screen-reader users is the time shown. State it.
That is 3:14:19
